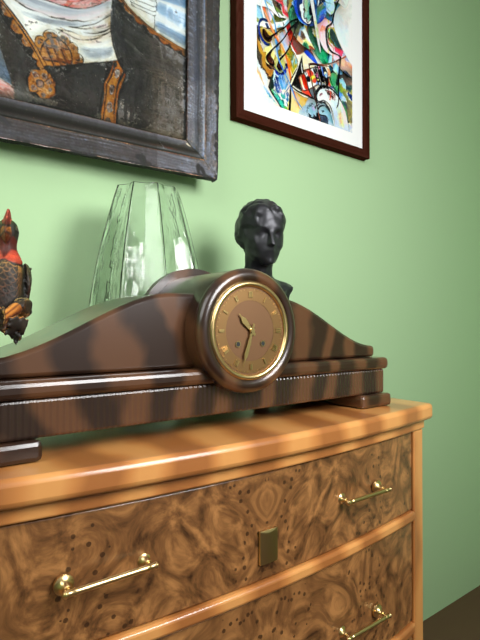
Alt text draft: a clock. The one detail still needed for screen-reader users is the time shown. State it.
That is 10:33
